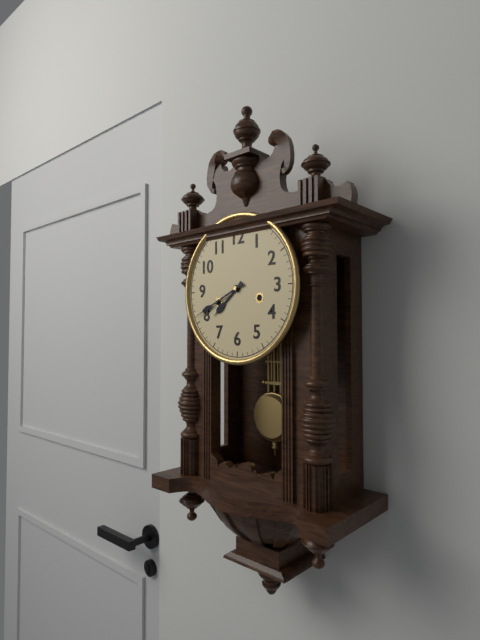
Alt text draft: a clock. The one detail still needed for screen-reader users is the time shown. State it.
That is 7:41
